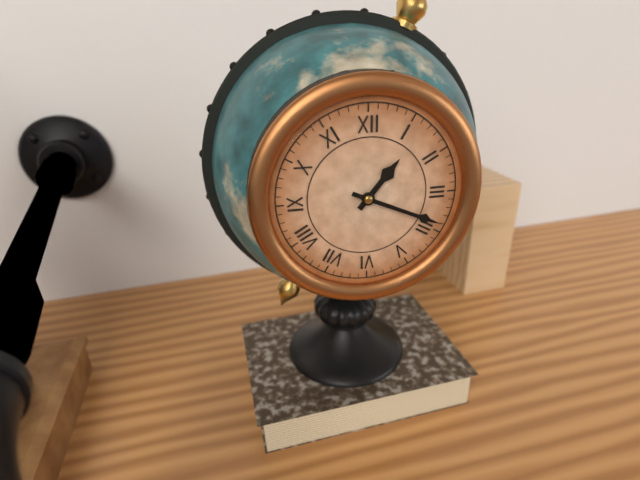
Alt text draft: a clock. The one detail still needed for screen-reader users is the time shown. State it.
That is 1:19
